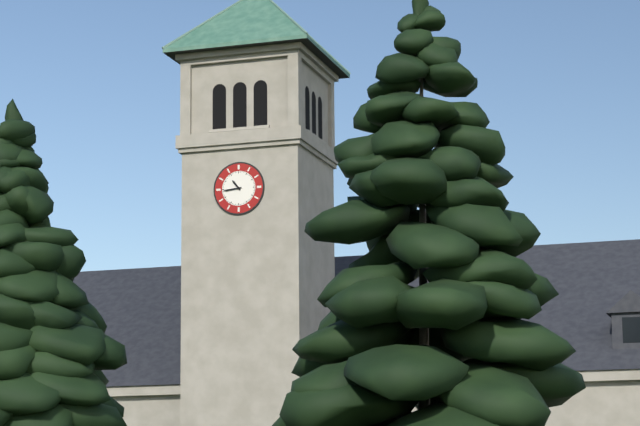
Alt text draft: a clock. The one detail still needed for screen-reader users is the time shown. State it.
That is 10:44
